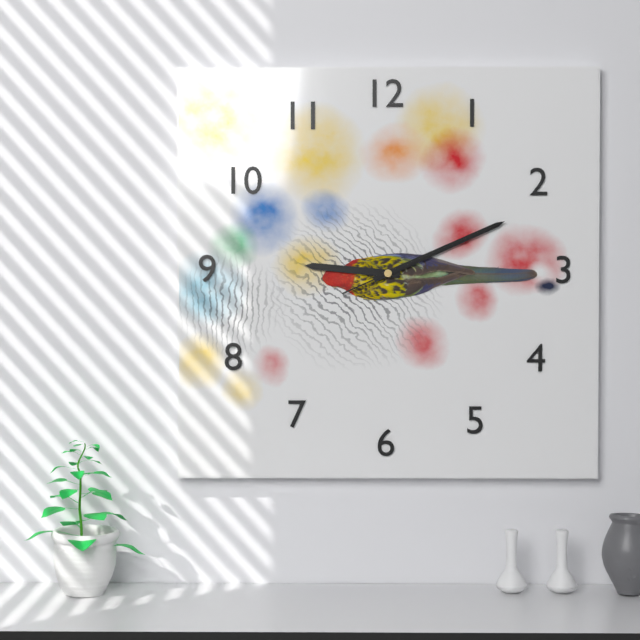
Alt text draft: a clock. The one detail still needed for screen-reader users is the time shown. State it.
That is 9:11:11
